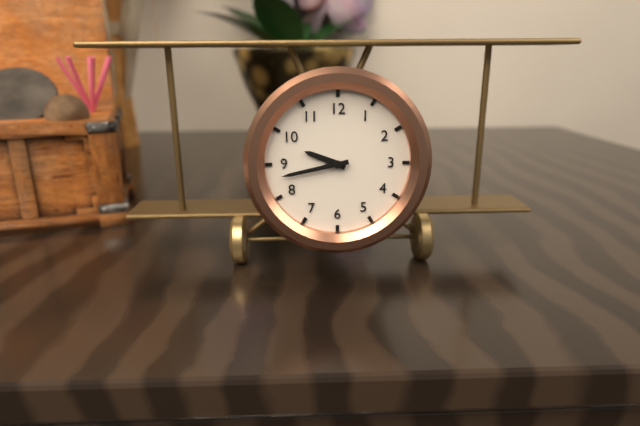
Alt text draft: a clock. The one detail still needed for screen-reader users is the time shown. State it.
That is 9:43
